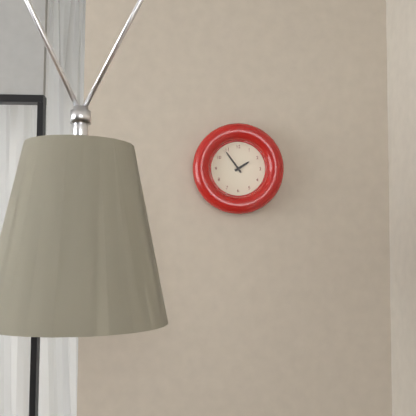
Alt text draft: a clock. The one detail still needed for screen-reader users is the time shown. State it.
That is 1:54
